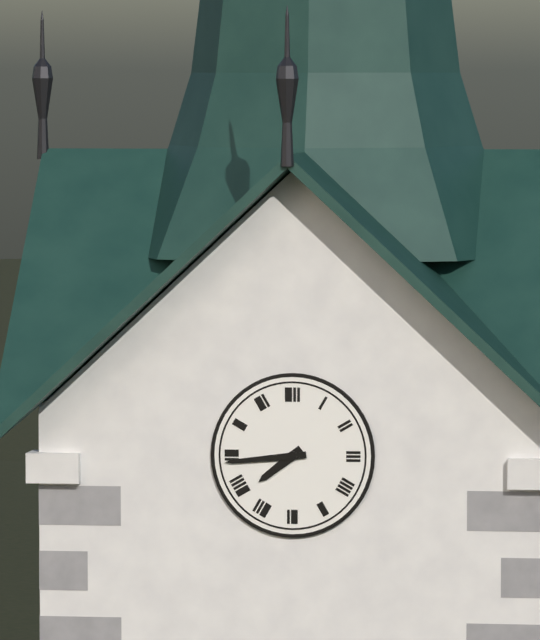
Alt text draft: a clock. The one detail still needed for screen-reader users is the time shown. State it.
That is 7:44
